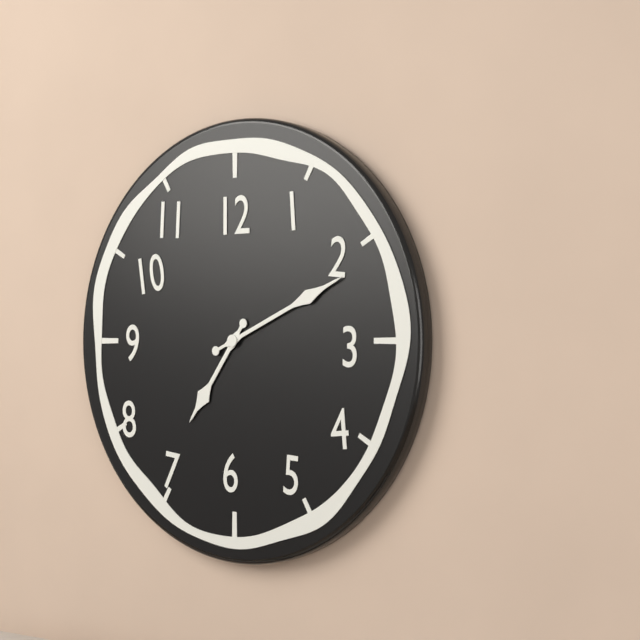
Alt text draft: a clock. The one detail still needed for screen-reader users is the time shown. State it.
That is 7:11
